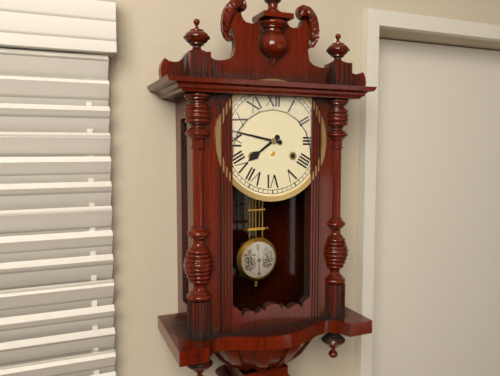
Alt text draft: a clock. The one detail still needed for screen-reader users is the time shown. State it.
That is 7:47
